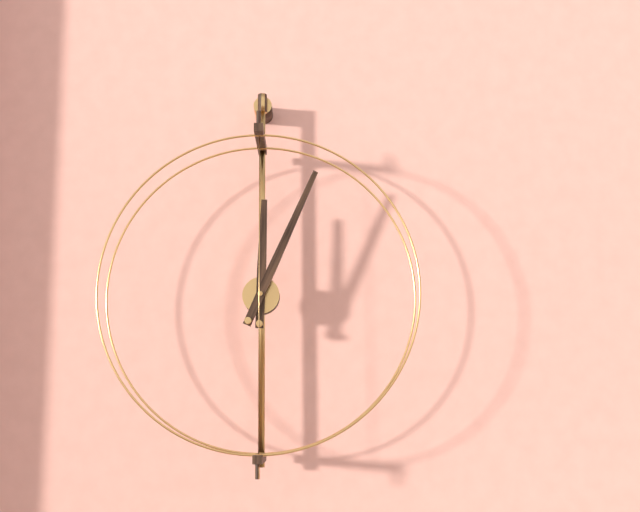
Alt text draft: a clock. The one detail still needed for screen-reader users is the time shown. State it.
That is 12:04
